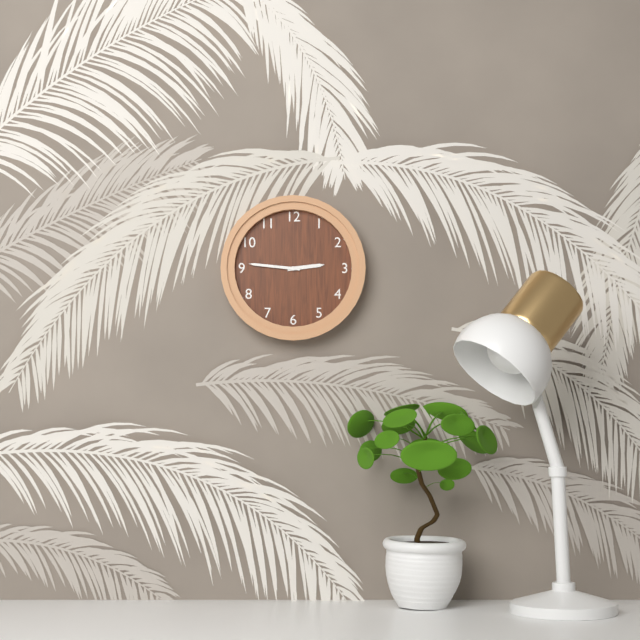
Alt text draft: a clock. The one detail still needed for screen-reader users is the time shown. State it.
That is 2:46
